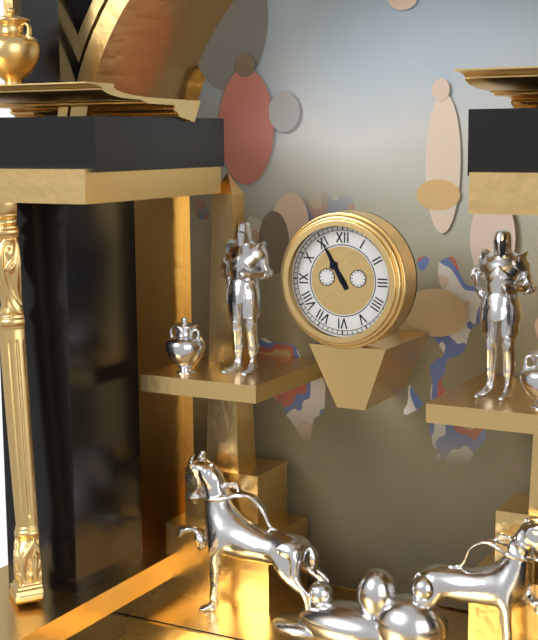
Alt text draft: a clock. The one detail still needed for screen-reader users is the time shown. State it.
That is 10:55
